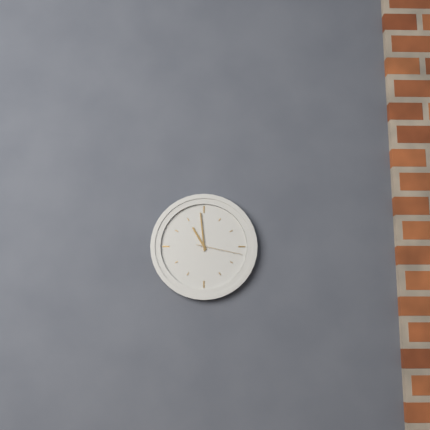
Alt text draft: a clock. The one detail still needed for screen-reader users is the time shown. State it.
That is 10:59
